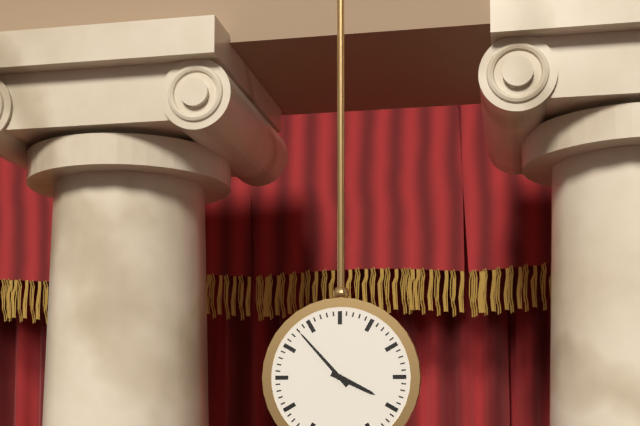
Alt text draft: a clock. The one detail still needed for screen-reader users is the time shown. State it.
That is 3:53
